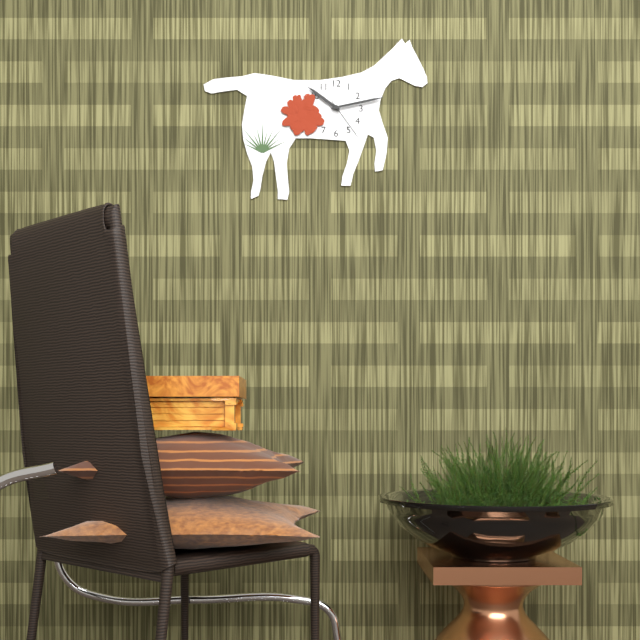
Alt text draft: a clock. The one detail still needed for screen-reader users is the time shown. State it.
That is 10:13
